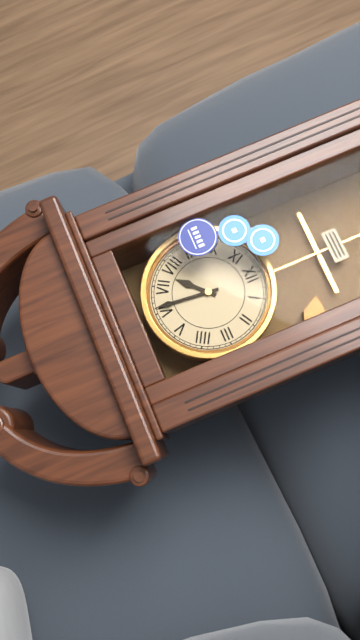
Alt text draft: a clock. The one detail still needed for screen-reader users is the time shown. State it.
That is 7:31
